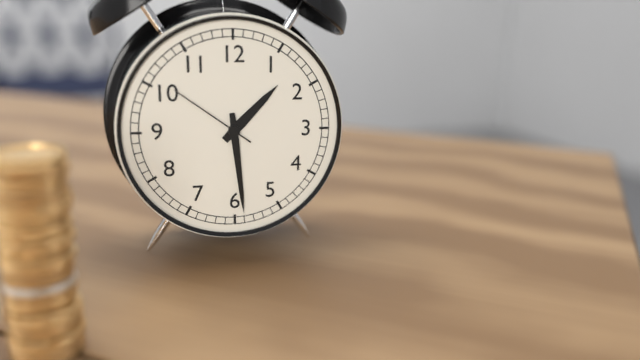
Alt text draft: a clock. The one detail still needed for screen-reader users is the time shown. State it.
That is 1:29:51
